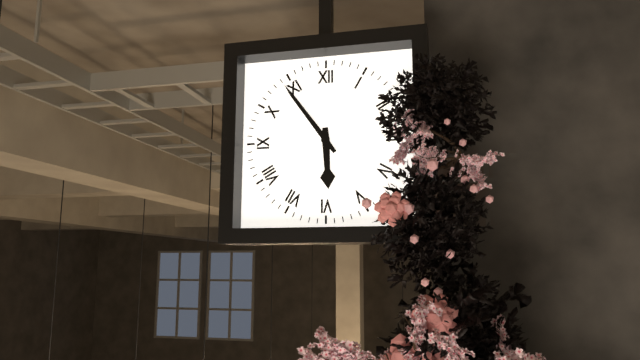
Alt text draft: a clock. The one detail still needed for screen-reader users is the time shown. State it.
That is 5:54
